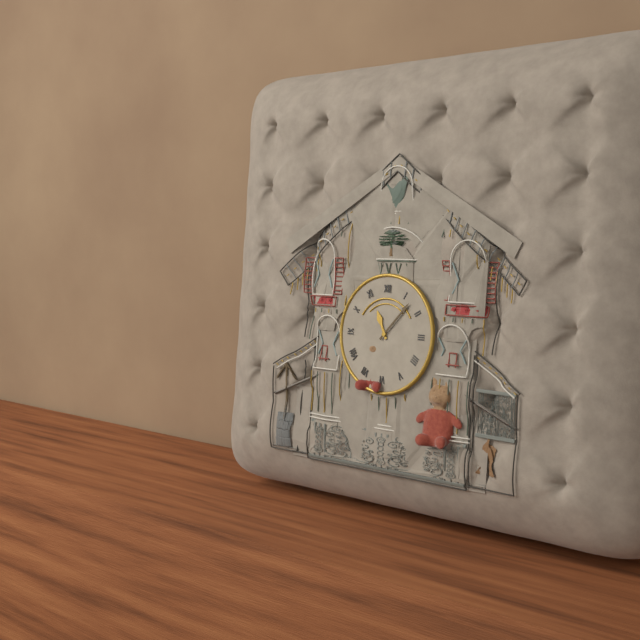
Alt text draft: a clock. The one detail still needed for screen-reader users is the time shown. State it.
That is 11:07
